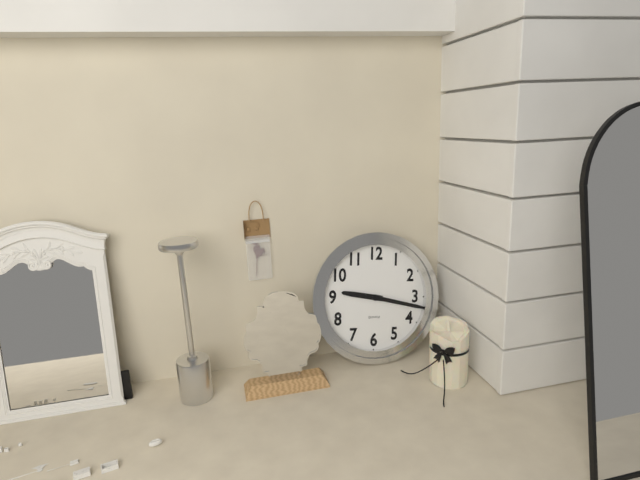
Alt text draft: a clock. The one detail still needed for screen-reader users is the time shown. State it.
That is 9:17
